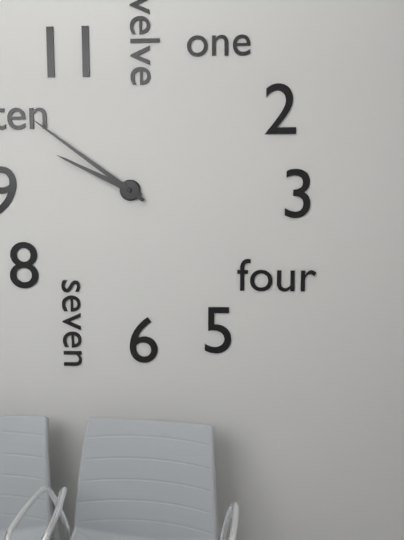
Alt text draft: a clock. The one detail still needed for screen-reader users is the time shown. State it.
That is 9:51
